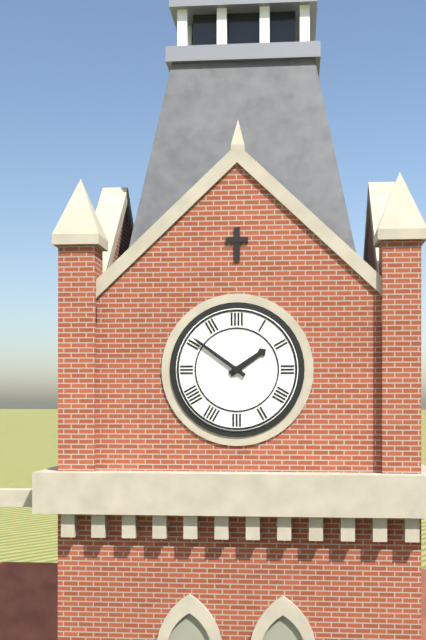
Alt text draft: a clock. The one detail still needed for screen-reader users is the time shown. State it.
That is 1:51
